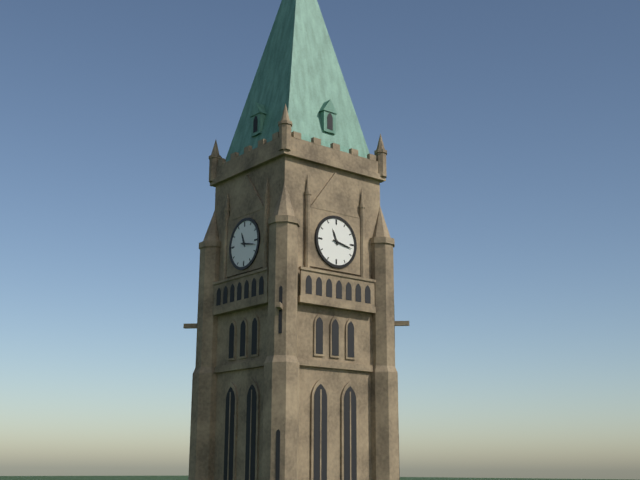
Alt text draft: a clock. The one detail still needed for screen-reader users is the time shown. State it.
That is 11:17
